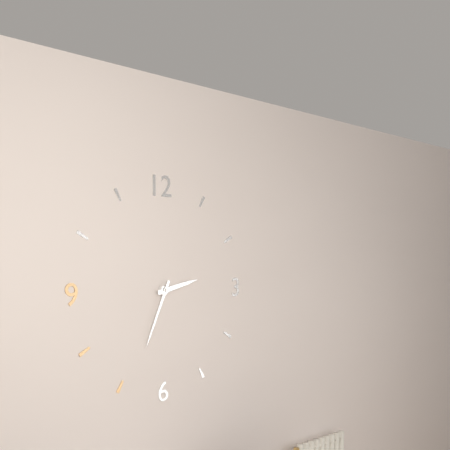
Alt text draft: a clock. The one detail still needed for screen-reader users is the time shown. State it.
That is 2:34
